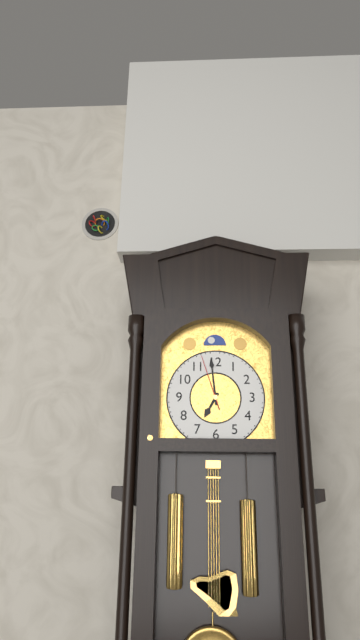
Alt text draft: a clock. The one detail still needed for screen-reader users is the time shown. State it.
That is 6:59:57
